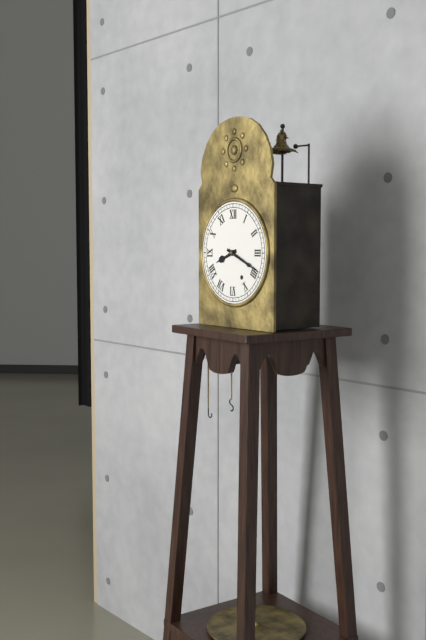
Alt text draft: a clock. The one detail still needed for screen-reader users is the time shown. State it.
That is 8:19
